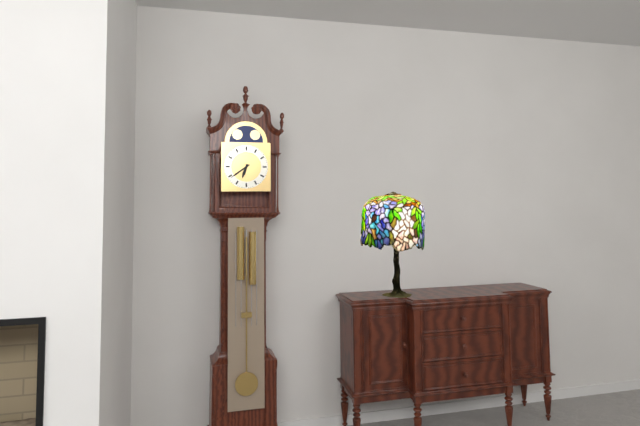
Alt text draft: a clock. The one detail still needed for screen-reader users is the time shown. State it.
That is 6:39
